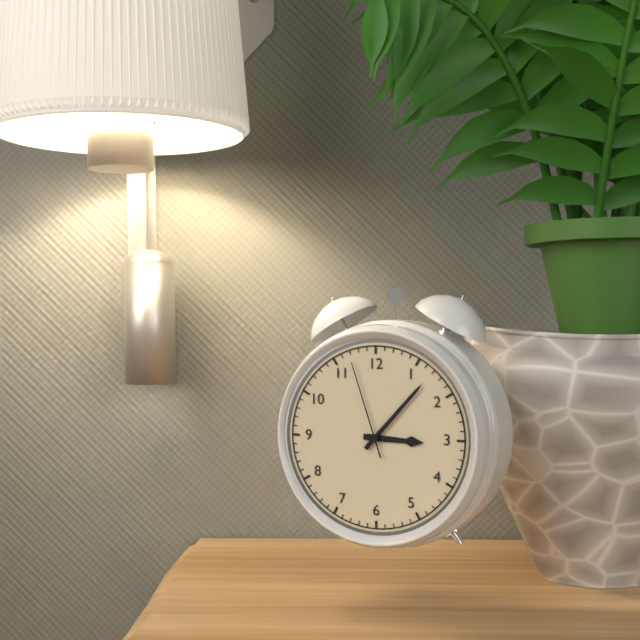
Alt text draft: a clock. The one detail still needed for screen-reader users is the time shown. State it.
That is 3:07:57
